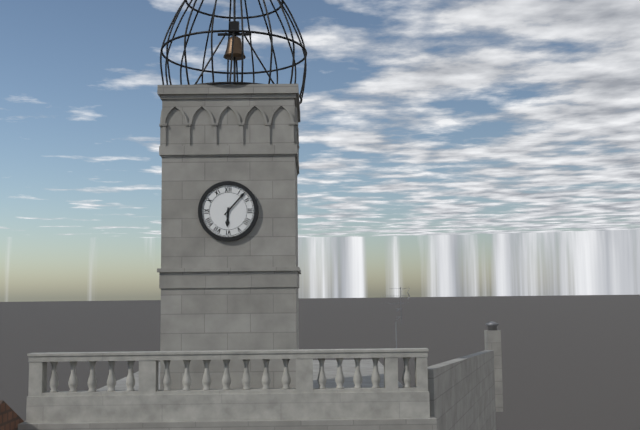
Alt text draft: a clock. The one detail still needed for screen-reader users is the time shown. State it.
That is 6:07
